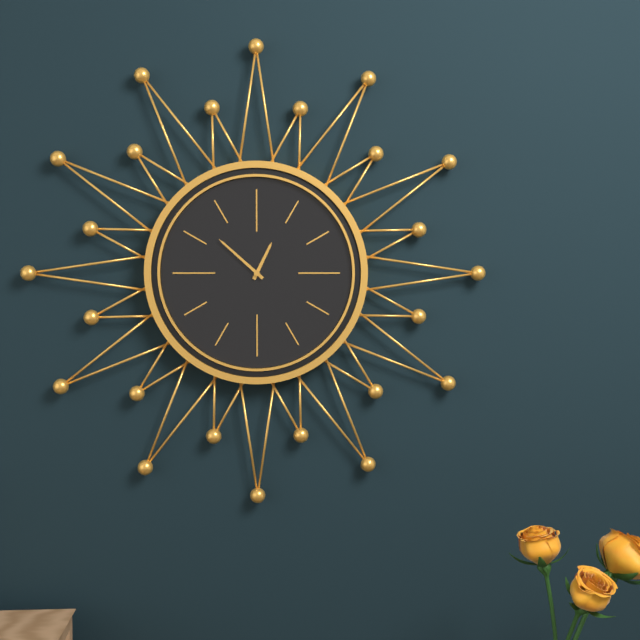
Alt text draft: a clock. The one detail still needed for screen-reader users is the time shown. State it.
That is 12:52
